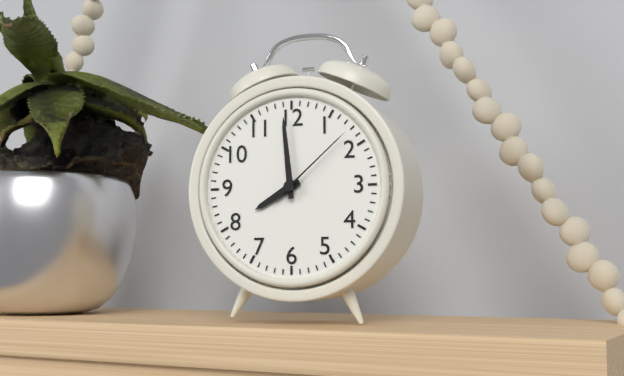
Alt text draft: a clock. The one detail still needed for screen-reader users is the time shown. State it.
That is 7:59:08
